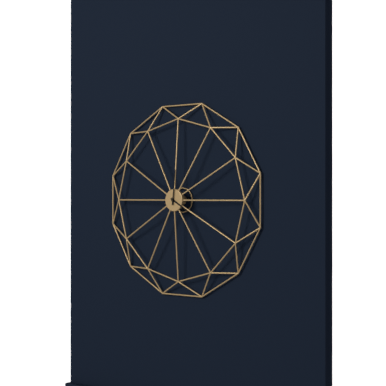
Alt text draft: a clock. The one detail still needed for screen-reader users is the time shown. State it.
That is 4:01
